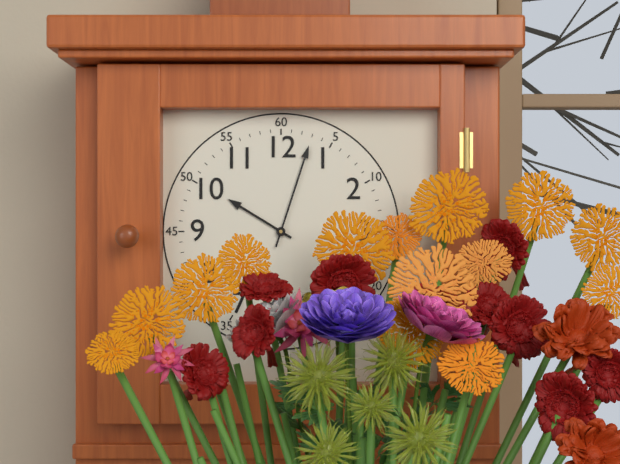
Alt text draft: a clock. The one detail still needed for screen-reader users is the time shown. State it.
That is 10:03
